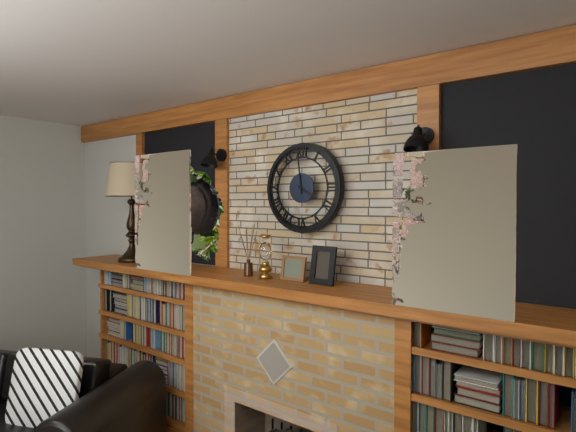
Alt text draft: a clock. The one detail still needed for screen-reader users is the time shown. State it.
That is 3:59
